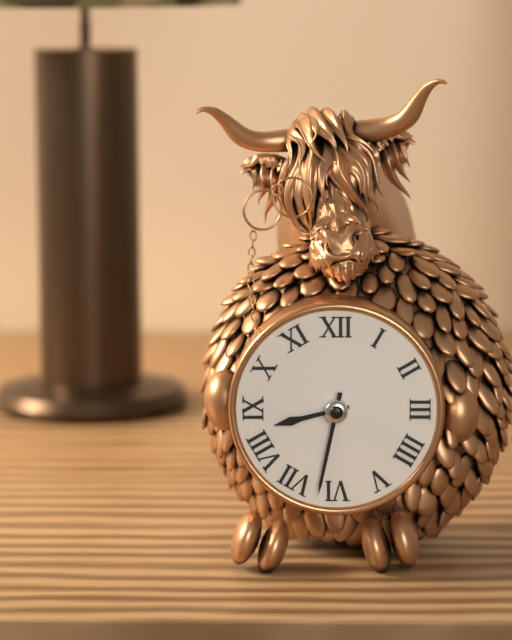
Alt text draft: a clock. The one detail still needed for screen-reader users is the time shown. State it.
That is 8:32
